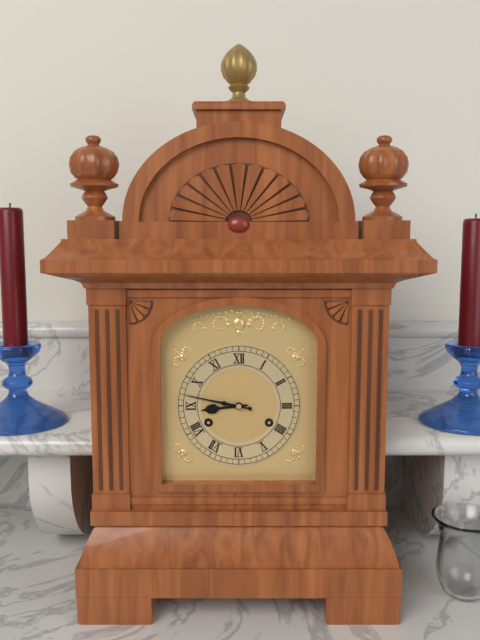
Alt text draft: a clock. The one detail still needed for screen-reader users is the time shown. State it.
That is 8:47
